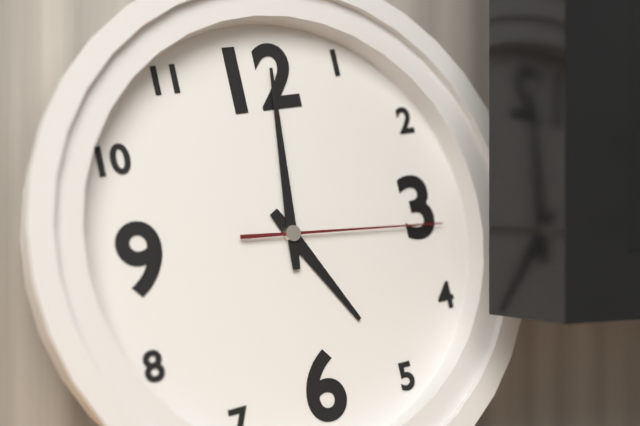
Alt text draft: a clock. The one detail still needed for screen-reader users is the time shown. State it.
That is 5:01:16
